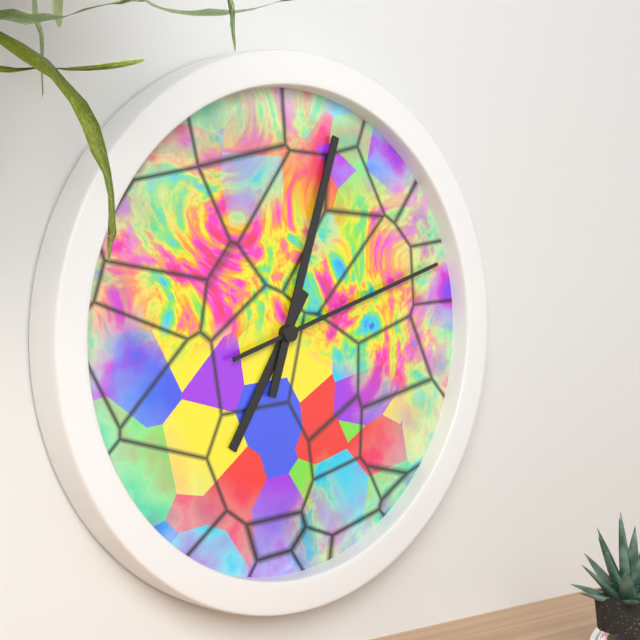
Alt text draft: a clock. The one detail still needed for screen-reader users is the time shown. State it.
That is 7:03:12
